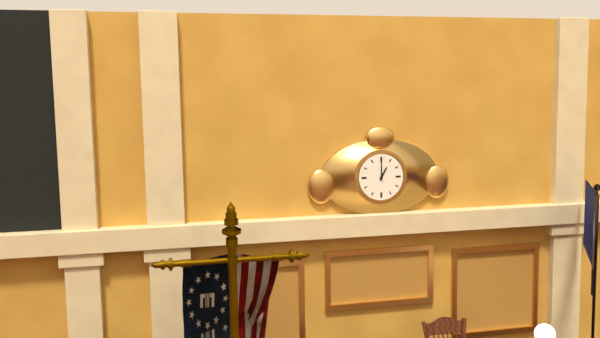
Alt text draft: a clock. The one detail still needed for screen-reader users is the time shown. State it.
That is 1:00
